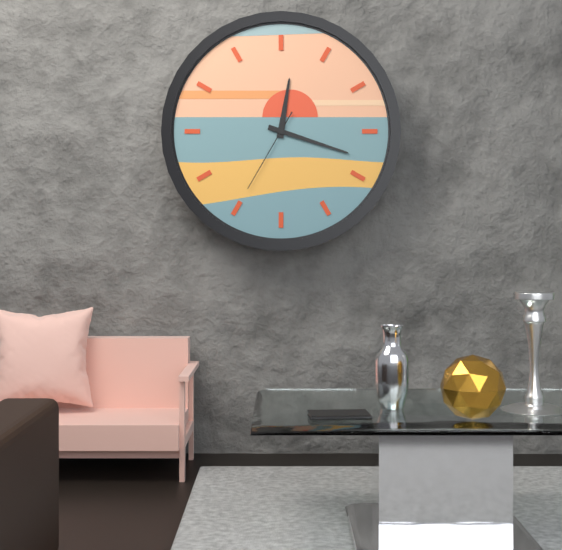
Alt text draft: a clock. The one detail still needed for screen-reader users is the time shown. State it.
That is 12:18:35
